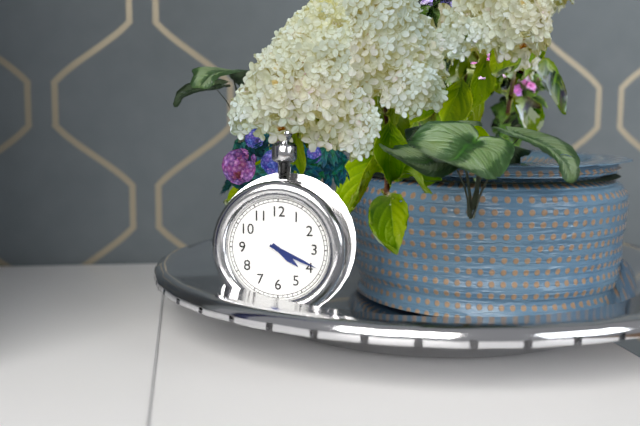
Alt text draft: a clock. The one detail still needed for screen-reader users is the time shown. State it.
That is 4:19
